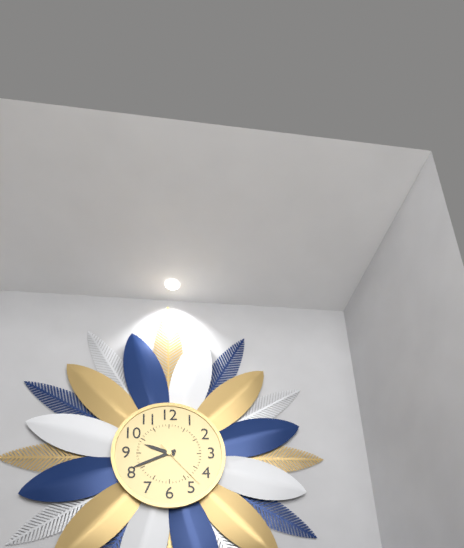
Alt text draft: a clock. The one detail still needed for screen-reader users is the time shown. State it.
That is 9:41
